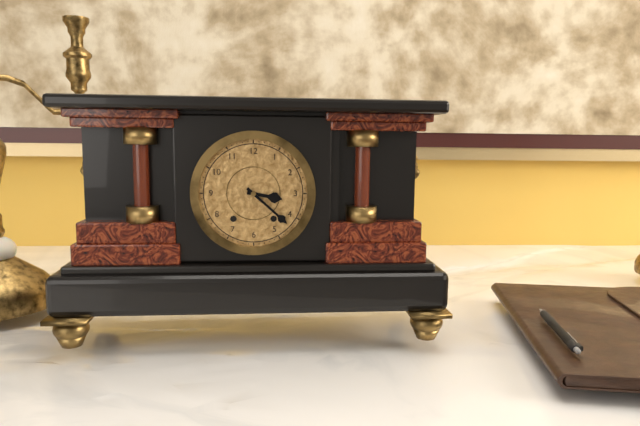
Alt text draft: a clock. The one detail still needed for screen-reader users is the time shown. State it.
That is 3:22
